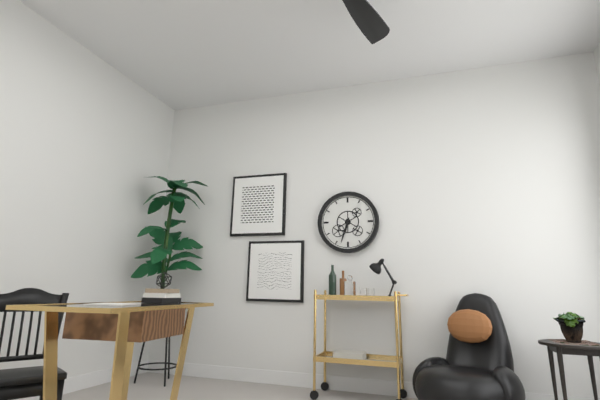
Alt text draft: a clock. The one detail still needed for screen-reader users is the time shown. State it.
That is 6:33
